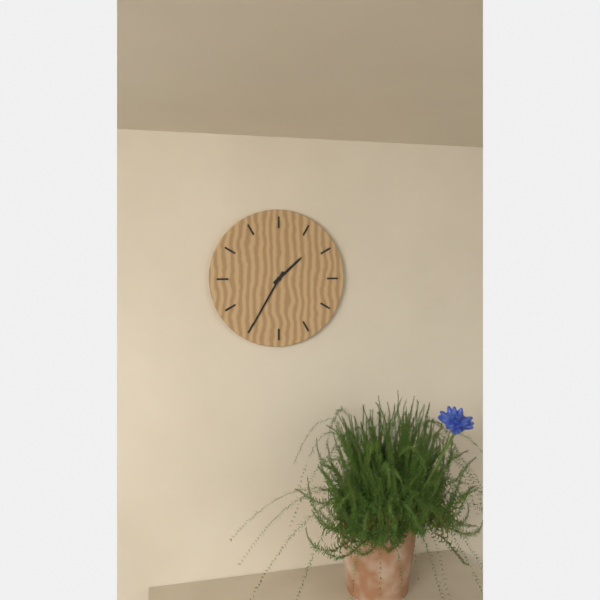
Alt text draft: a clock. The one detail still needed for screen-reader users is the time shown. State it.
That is 1:35
